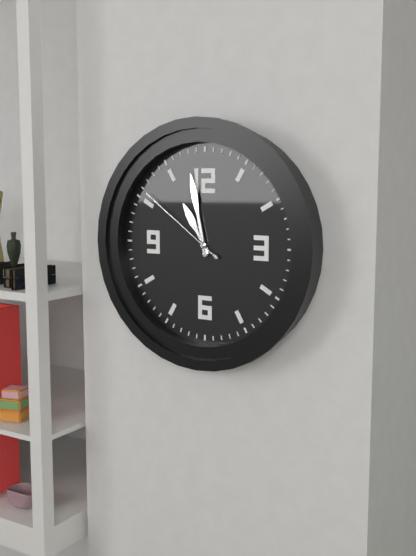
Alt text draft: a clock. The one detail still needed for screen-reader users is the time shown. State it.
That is 10:58:51
